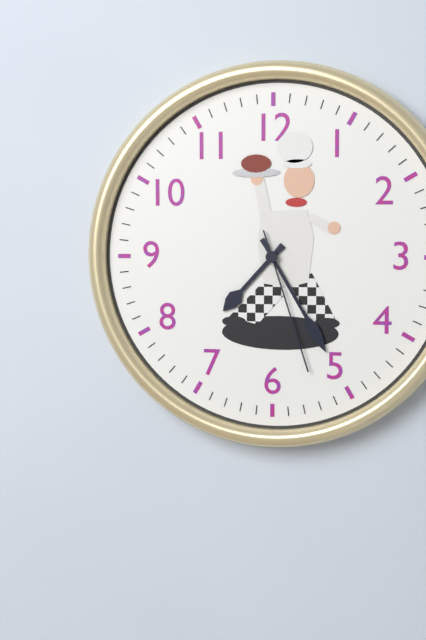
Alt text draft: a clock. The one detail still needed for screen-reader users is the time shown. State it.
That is 7:25:27
